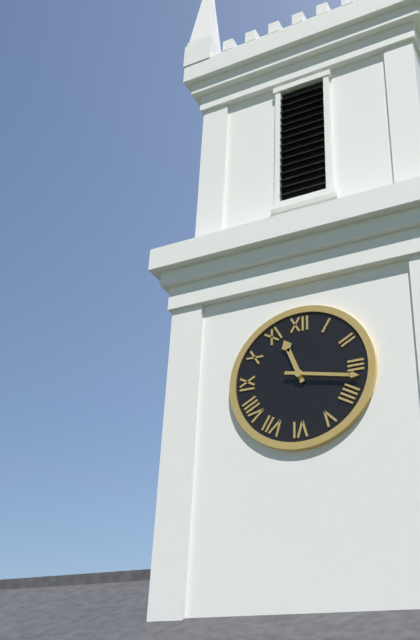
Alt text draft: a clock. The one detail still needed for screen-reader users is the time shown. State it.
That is 11:17
